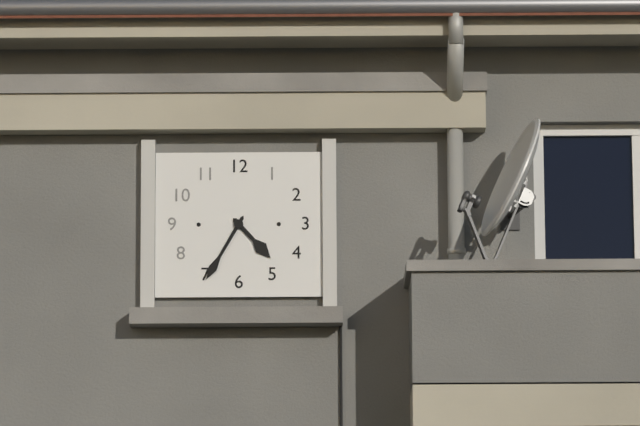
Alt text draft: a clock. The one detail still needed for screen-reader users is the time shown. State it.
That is 4:35
